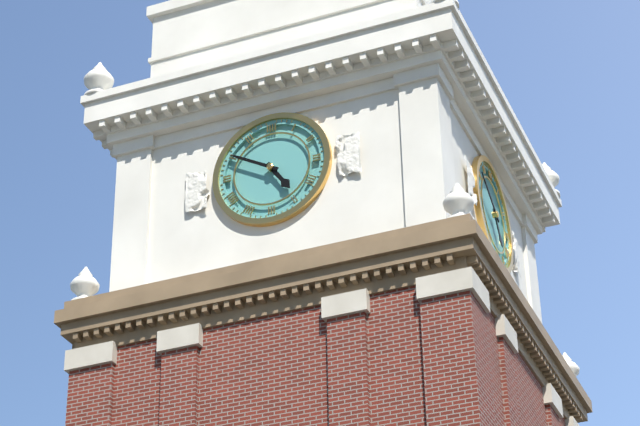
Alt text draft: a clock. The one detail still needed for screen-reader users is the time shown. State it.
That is 4:50
